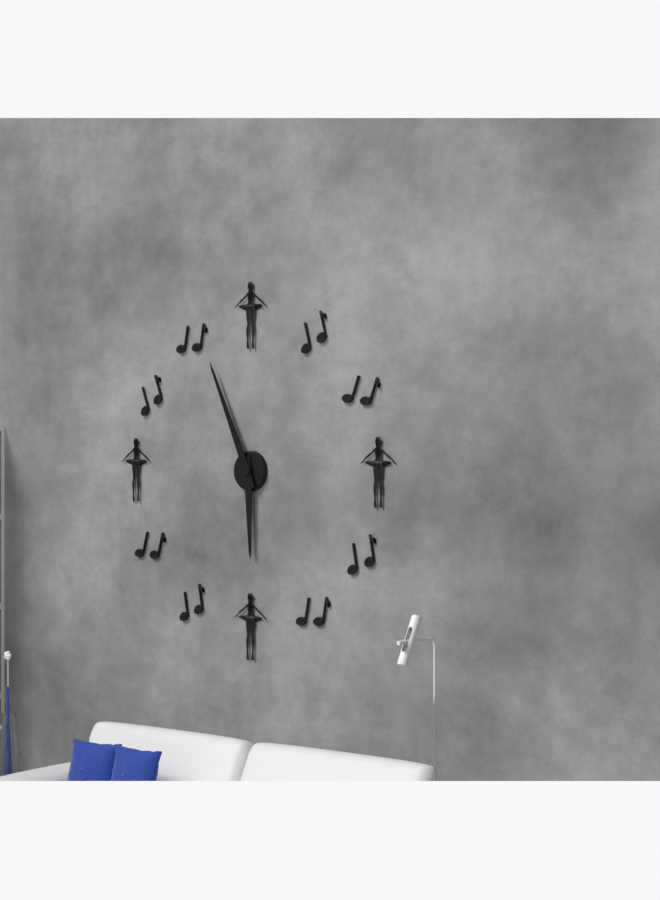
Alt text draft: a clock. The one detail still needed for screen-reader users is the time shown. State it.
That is 5:56
